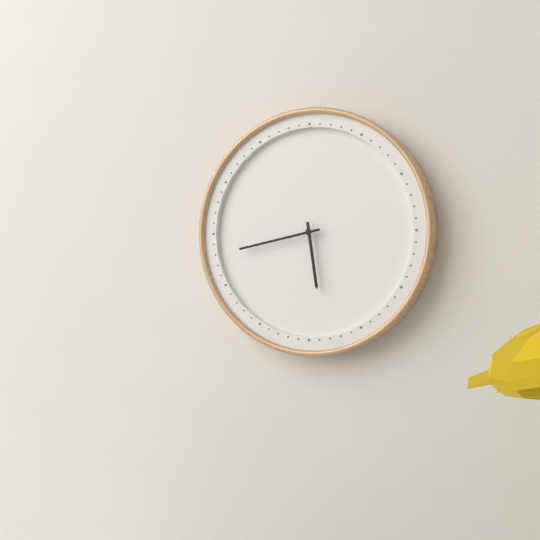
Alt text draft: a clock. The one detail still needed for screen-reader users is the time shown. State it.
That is 5:43
